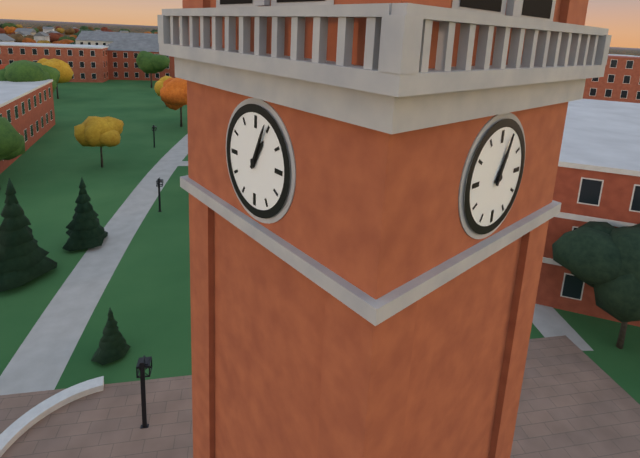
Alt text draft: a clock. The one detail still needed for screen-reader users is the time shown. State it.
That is 1:04
